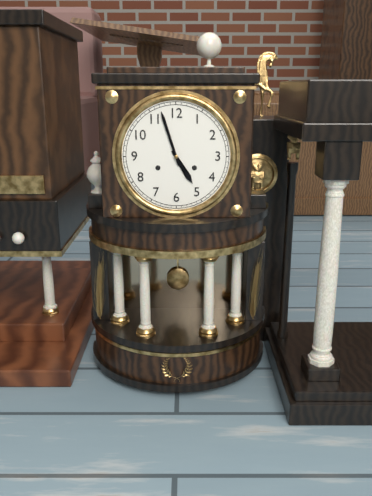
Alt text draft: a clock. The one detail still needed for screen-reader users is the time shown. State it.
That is 4:57
